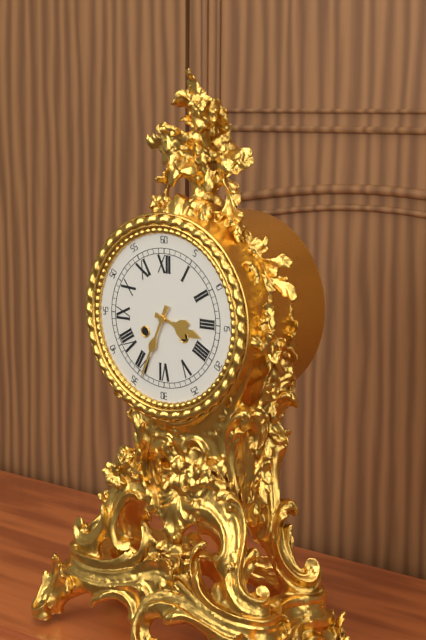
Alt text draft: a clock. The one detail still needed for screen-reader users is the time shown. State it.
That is 3:34
